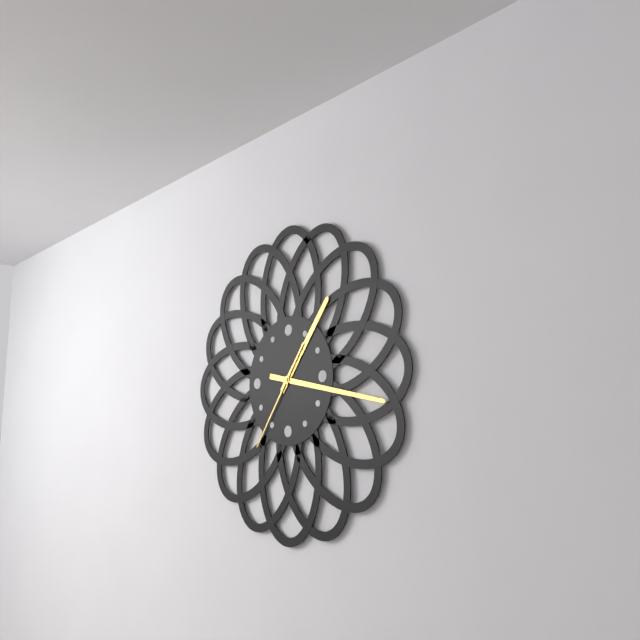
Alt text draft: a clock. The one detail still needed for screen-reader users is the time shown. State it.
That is 1:17:36
